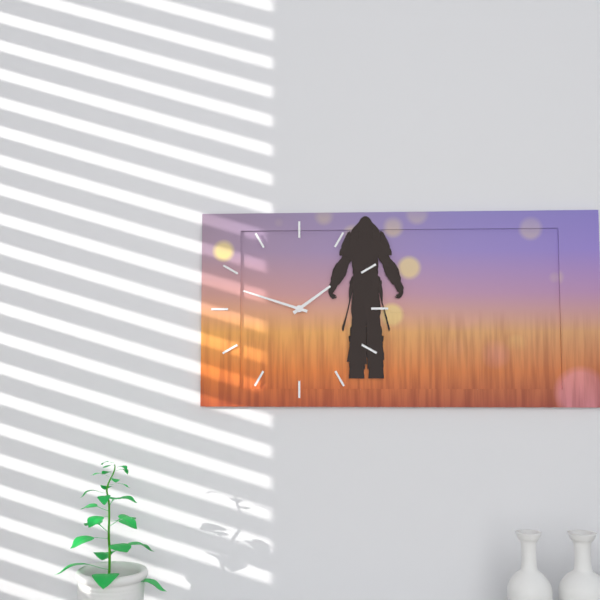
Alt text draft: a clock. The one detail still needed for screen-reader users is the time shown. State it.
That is 1:48
